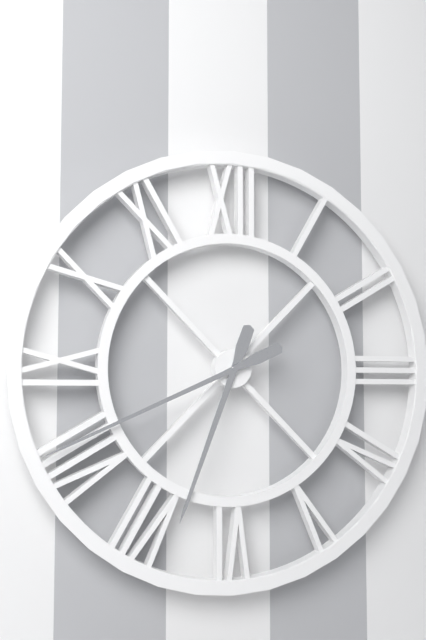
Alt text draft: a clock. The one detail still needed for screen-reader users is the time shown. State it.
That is 6:41
